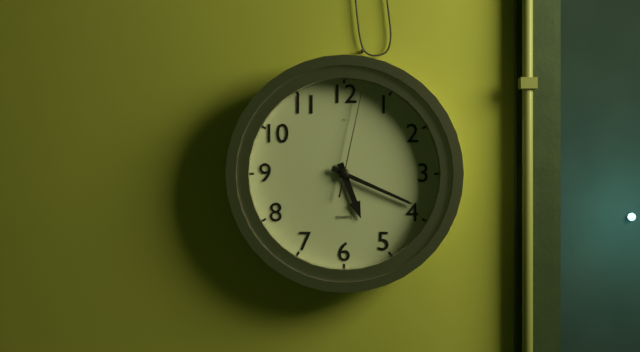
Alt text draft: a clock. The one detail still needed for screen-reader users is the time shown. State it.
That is 5:19:02
